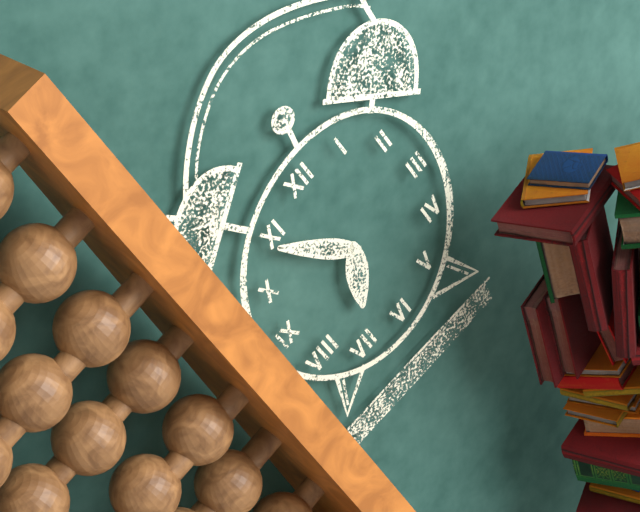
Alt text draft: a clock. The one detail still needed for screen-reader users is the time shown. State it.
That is 6:54
